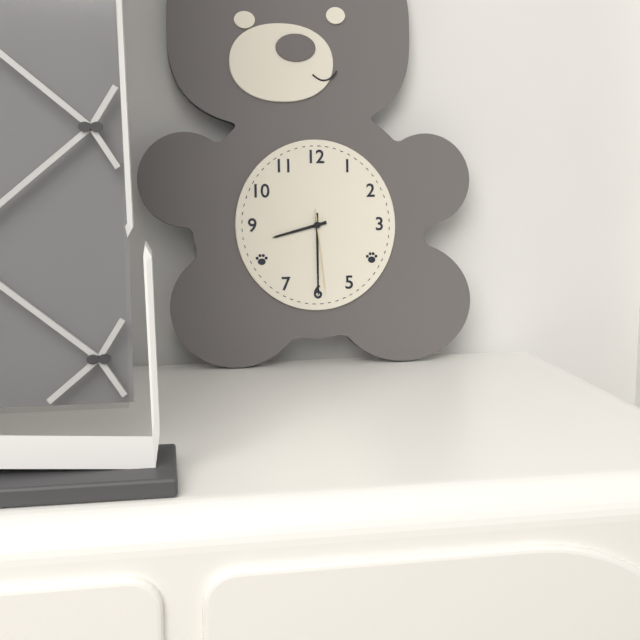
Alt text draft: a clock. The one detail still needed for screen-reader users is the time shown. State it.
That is 8:30:29
